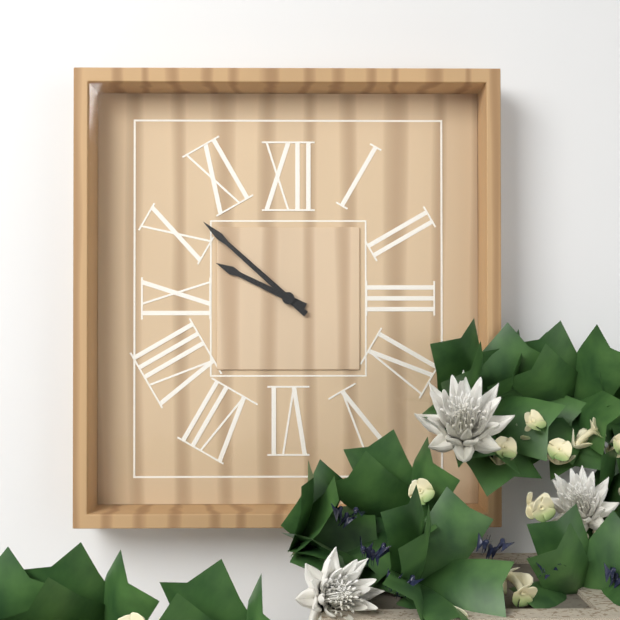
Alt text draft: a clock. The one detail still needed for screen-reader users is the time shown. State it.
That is 9:52
